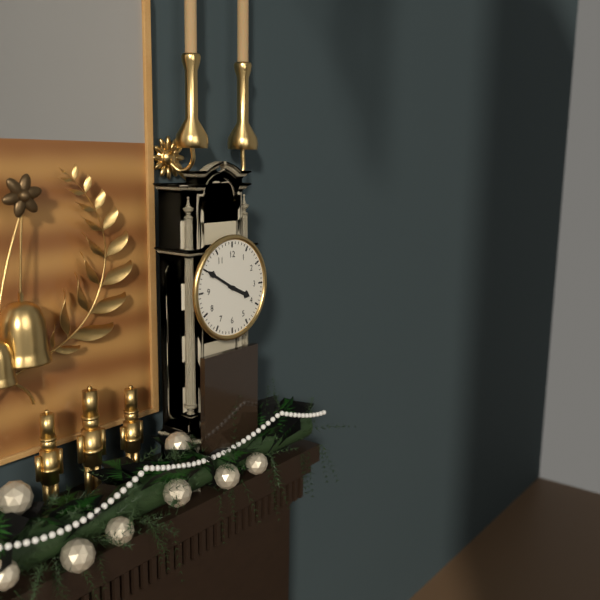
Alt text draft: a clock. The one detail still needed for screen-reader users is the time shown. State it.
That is 3:50
